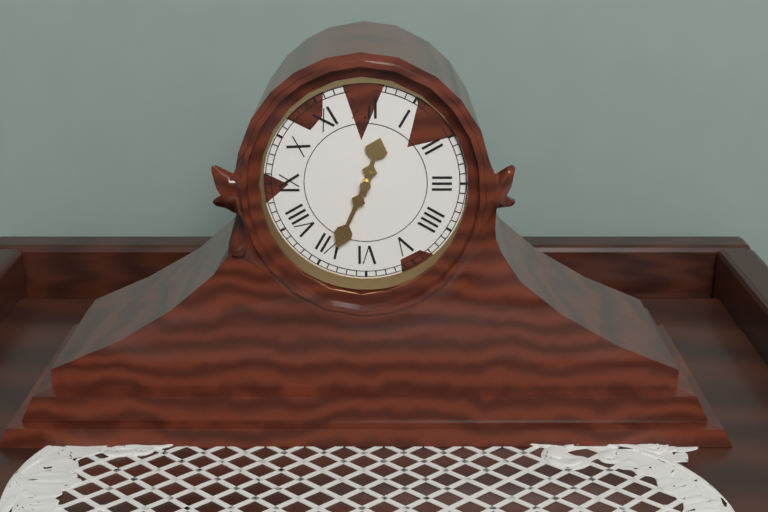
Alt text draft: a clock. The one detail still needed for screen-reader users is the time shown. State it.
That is 12:34
